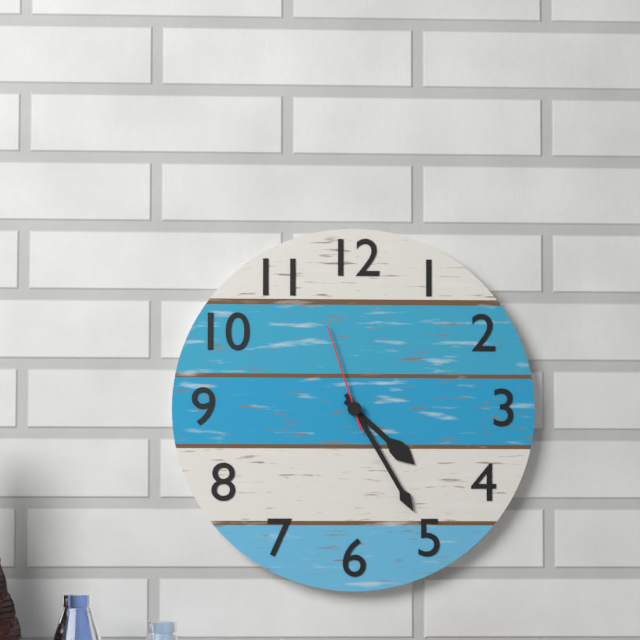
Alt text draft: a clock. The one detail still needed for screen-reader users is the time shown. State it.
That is 4:25:57
